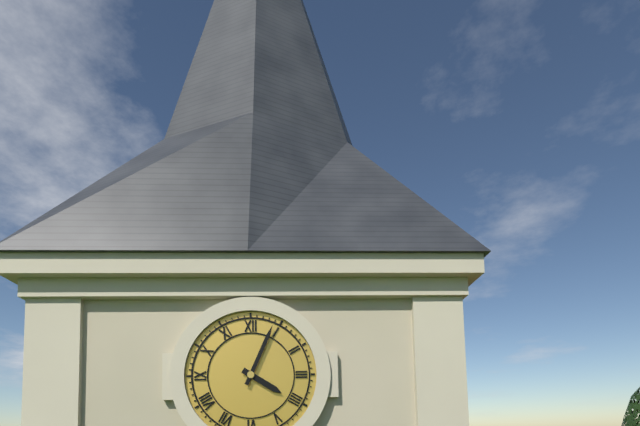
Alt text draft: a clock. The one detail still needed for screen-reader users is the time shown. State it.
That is 4:04
